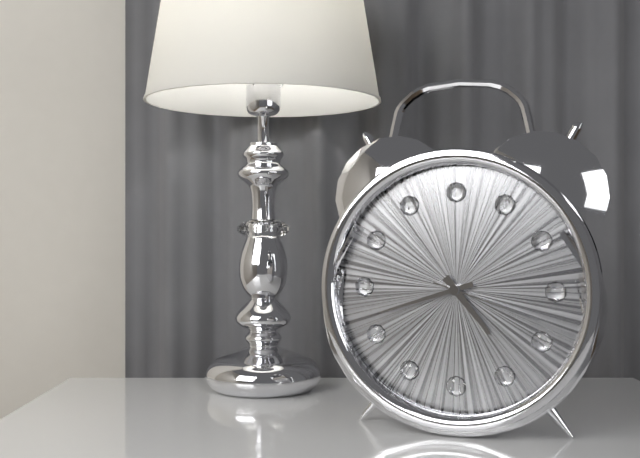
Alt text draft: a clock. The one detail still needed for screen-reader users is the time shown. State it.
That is 4:42:18
